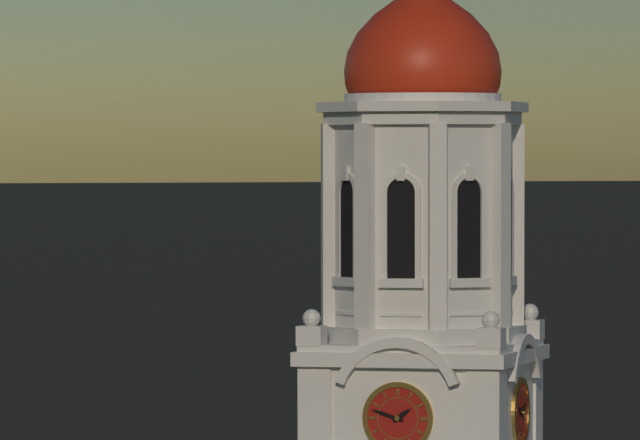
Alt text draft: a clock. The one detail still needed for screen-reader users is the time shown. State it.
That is 1:48
